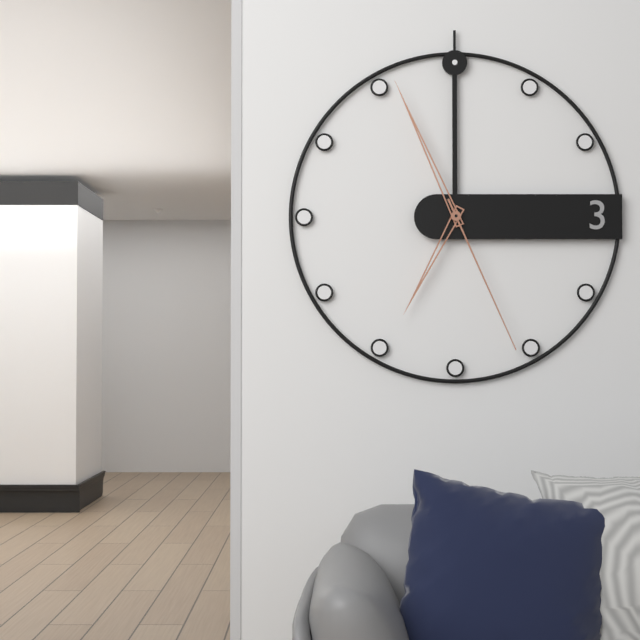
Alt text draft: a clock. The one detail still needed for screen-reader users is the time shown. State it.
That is 6:56:26
